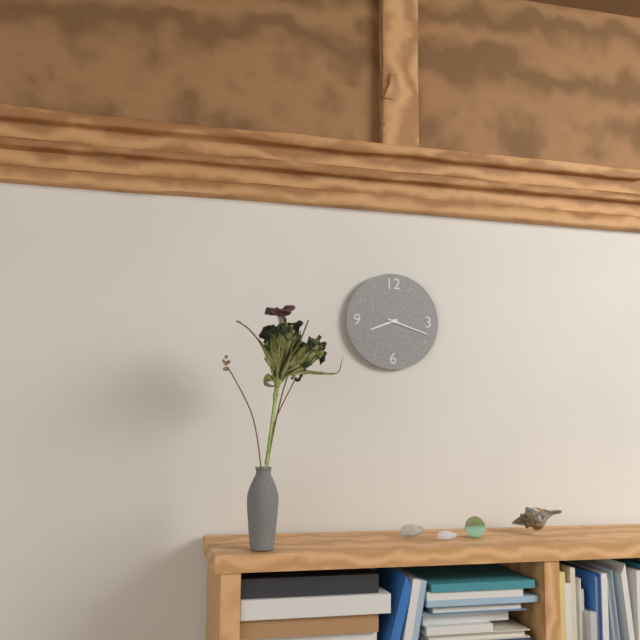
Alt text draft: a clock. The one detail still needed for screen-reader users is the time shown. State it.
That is 8:18
